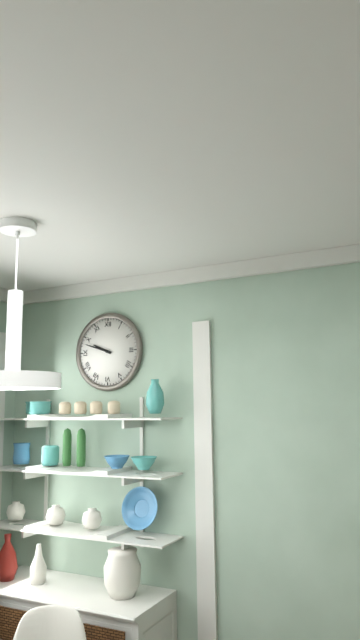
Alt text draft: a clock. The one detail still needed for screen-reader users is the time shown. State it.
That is 9:48
